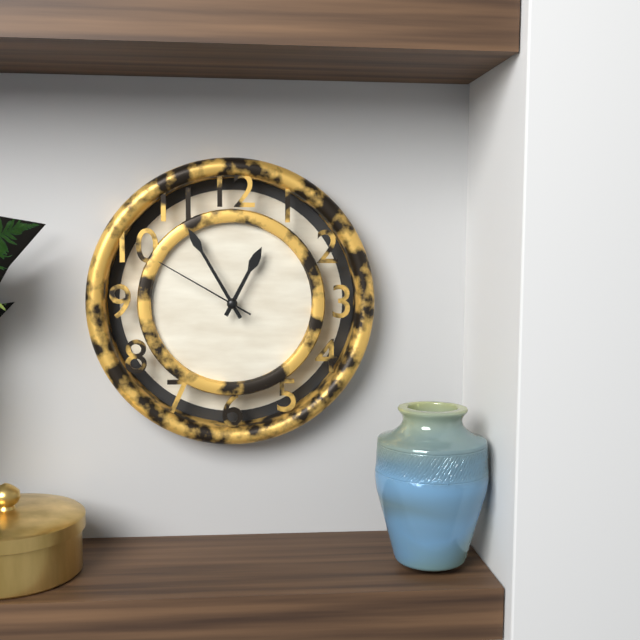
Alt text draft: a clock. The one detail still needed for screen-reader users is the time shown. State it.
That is 12:55:50
